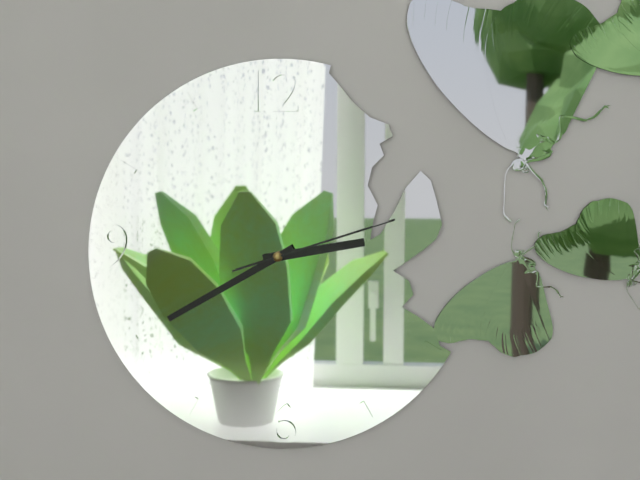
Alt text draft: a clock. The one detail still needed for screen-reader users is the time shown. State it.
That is 2:40:12
